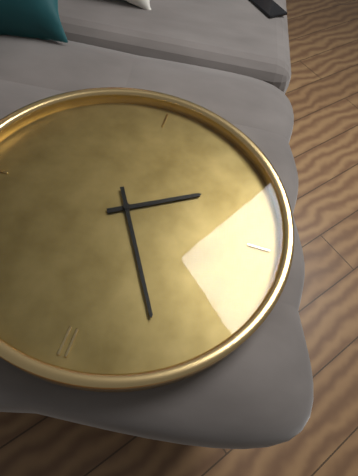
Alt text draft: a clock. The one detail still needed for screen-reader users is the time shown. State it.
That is 7:55
